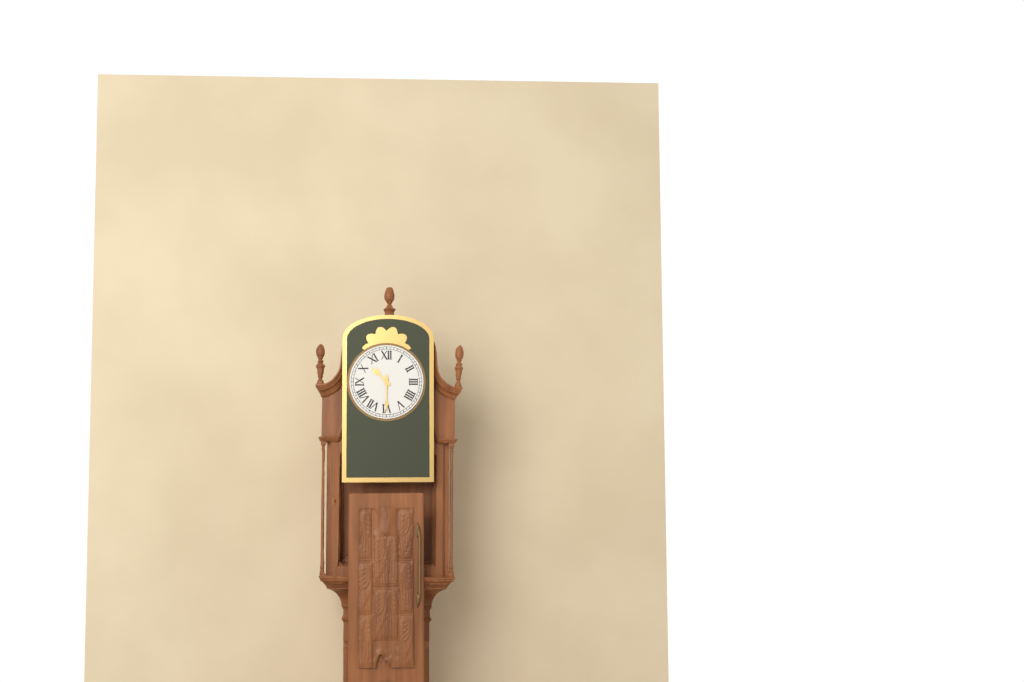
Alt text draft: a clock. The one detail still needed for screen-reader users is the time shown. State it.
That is 10:30
